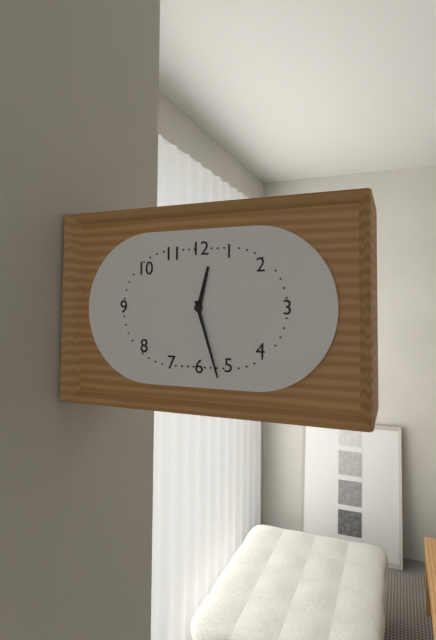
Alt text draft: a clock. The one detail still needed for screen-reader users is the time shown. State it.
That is 12:27
